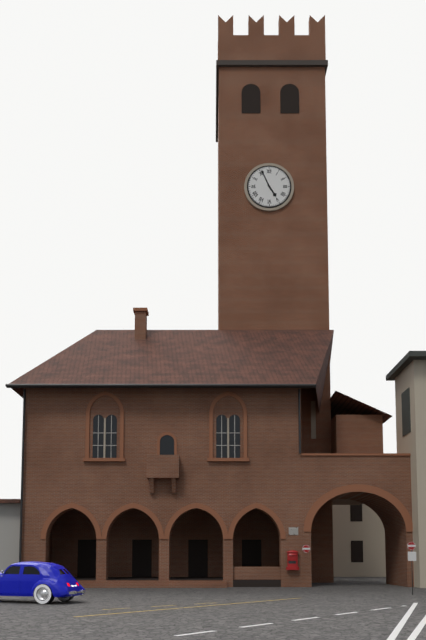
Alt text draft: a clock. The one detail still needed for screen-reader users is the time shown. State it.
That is 4:56
